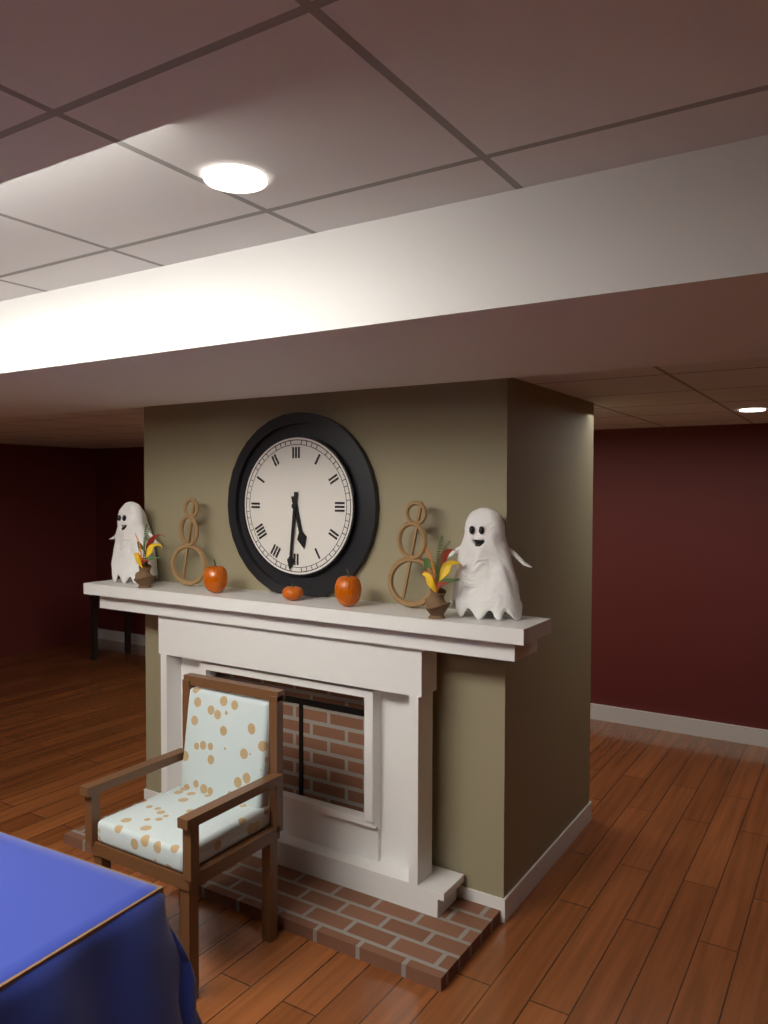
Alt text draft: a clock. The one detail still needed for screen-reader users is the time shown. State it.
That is 5:31
